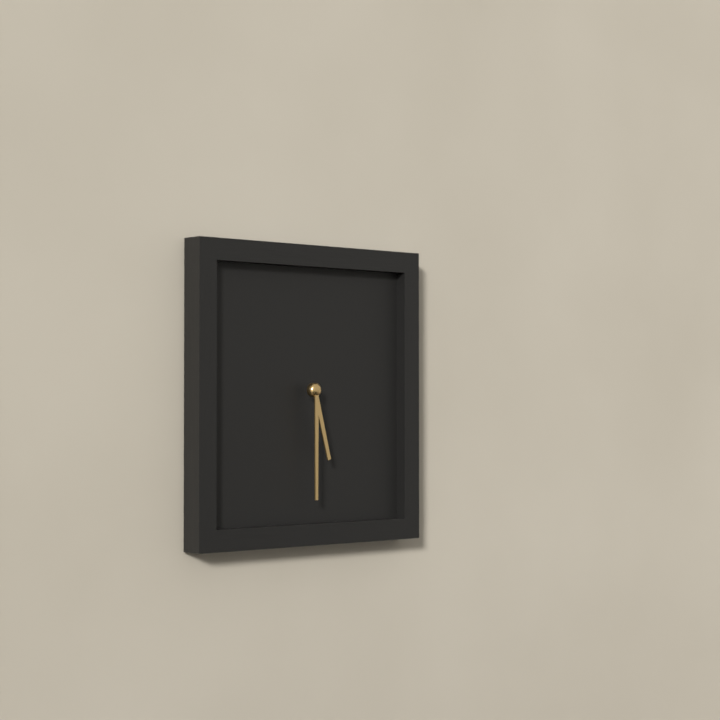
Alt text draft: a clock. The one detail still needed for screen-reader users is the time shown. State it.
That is 5:30
